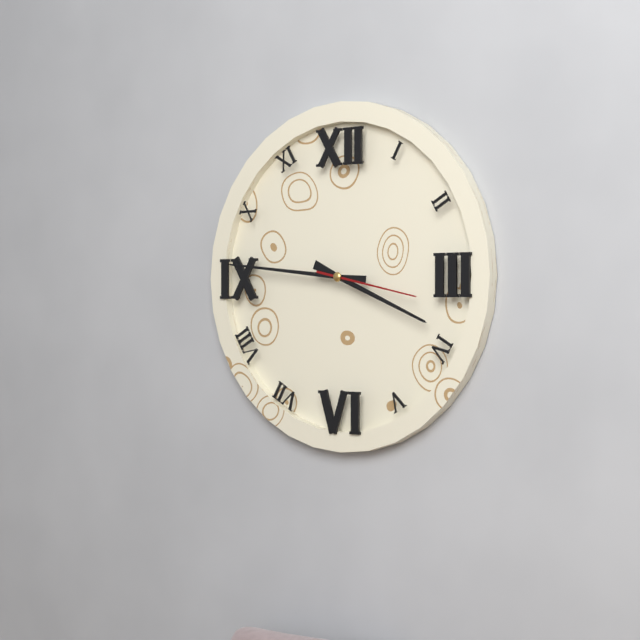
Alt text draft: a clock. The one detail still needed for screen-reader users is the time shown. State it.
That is 3:46:17
